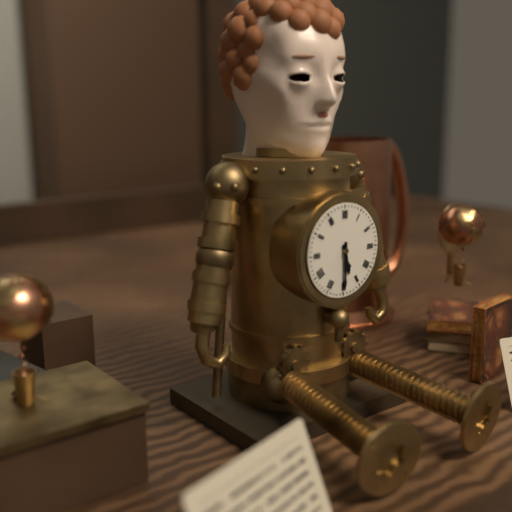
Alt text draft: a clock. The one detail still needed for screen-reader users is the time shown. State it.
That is 5:30
